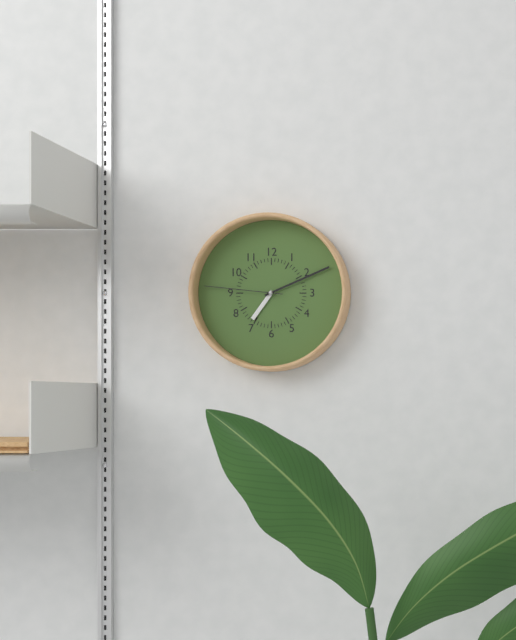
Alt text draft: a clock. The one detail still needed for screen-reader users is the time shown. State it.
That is 7:11:46
